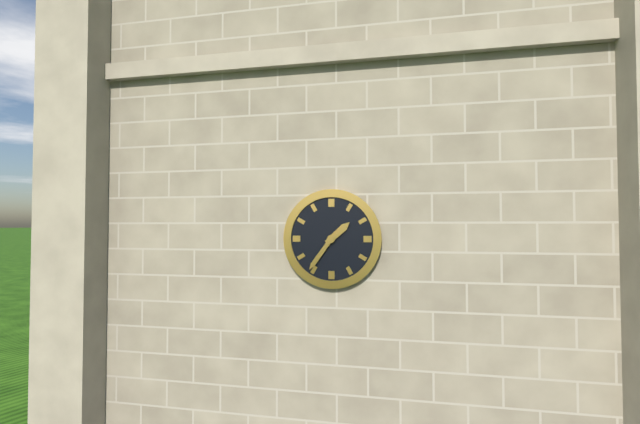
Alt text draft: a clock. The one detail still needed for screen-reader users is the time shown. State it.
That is 1:36
